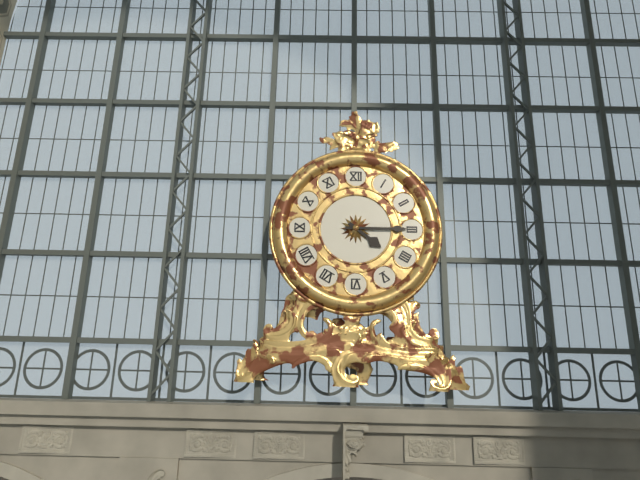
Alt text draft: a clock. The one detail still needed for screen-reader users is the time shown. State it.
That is 4:15
